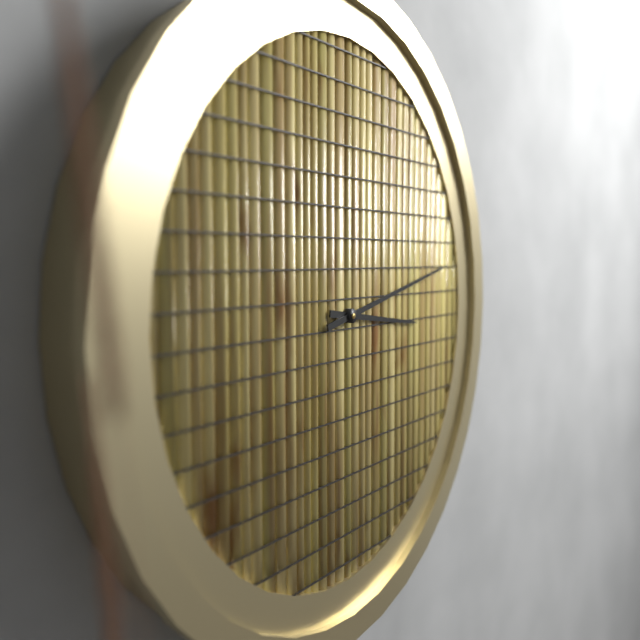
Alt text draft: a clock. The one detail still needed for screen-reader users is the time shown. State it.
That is 3:13
